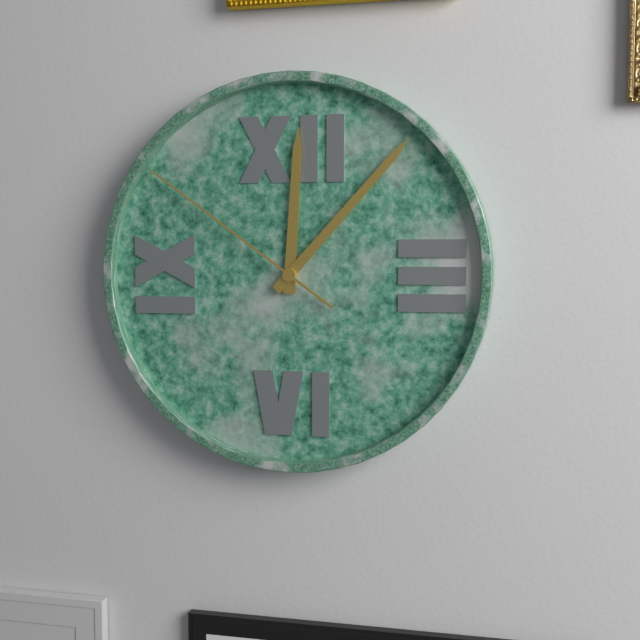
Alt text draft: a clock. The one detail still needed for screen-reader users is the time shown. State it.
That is 12:07:51
